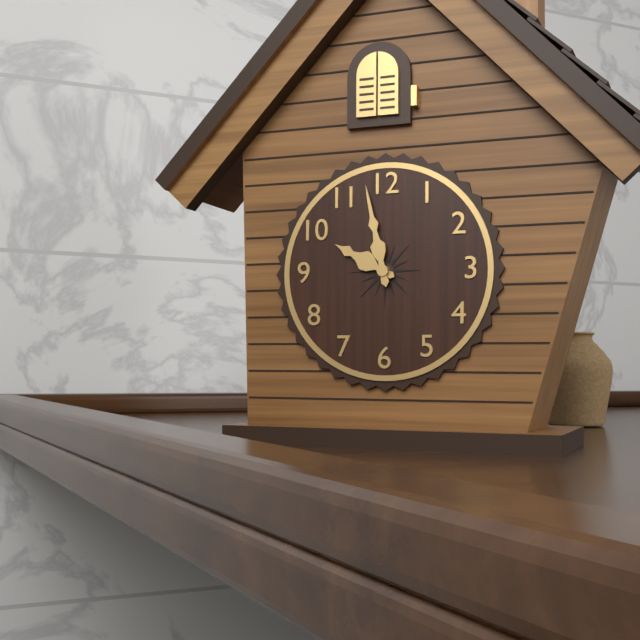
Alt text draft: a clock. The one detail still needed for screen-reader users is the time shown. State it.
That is 9:58
